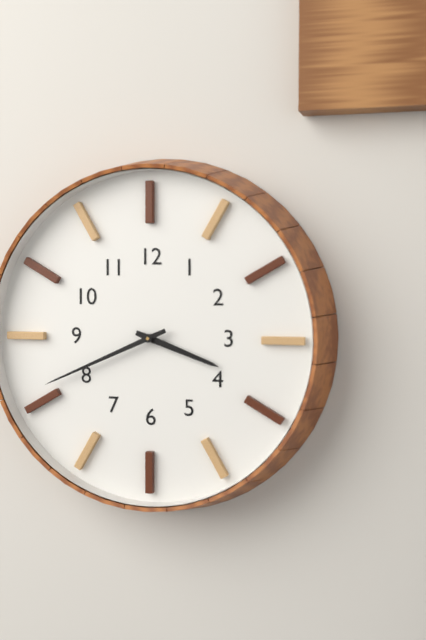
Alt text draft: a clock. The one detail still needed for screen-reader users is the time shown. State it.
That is 3:41
